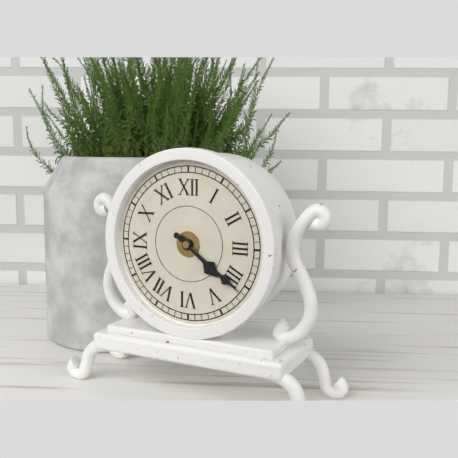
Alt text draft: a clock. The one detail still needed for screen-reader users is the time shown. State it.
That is 4:21
